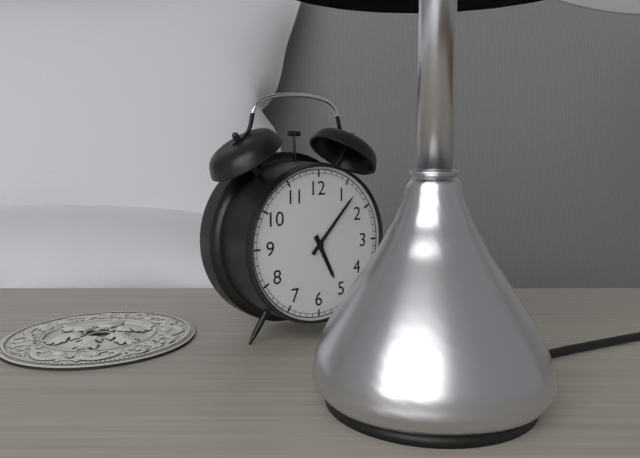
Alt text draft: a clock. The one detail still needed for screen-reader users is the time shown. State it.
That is 5:07
